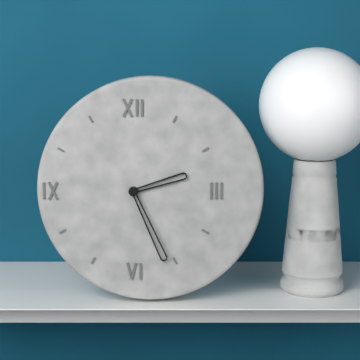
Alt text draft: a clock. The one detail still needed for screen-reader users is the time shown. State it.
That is 2:26
